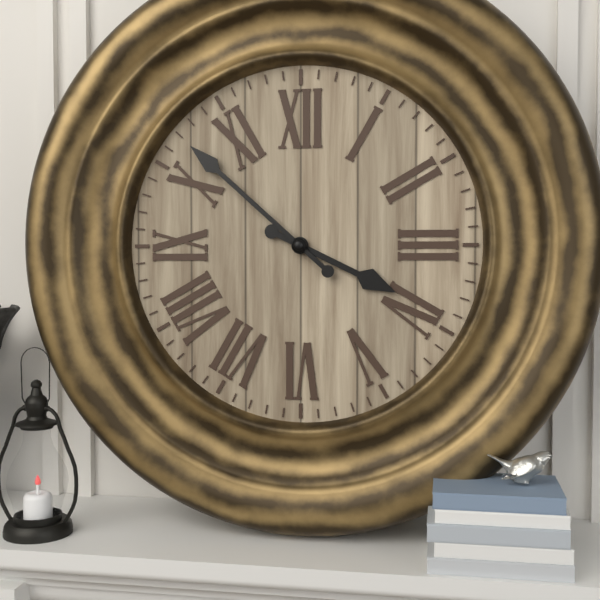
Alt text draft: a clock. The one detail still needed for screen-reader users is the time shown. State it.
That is 3:52
